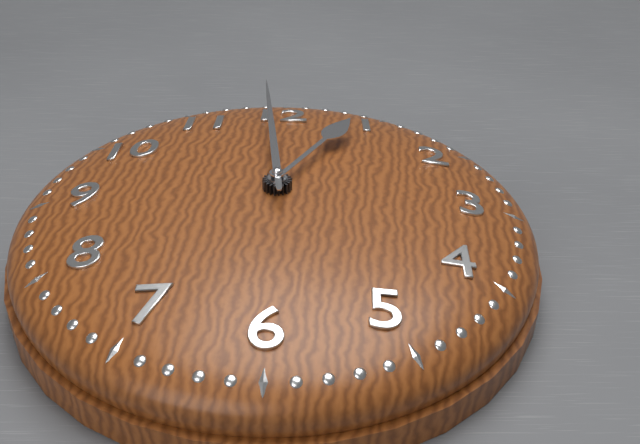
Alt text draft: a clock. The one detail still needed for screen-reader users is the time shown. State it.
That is 12:59
